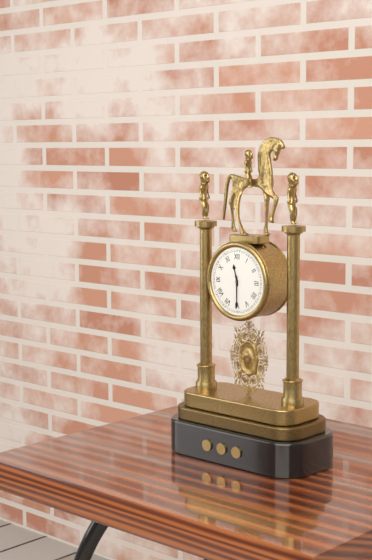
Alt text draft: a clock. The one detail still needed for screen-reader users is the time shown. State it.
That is 11:30
